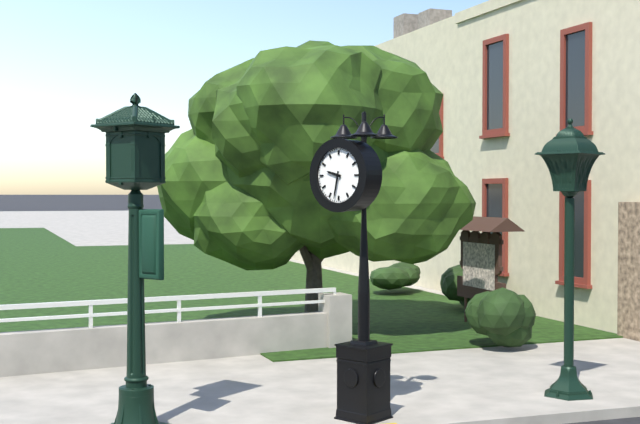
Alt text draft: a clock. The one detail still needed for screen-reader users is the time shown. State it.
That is 9:32
